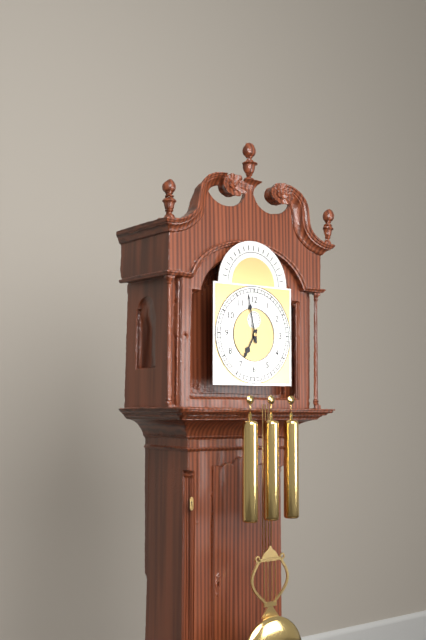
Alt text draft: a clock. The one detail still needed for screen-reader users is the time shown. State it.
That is 6:58
